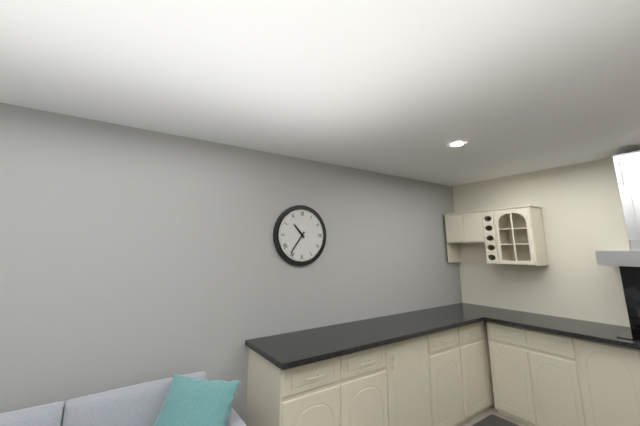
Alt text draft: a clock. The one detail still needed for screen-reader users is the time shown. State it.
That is 10:36
